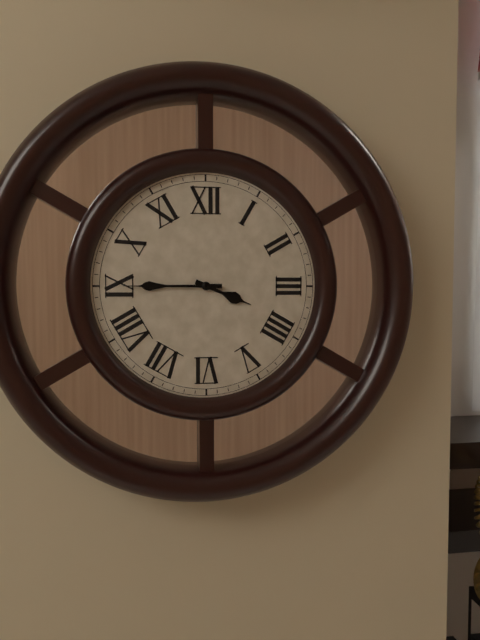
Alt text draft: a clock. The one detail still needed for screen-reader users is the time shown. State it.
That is 3:45
